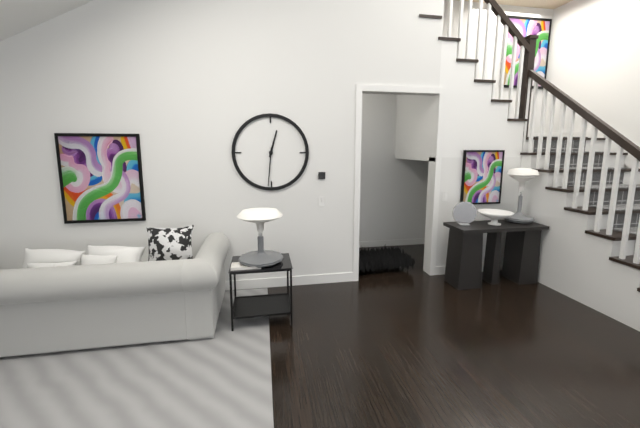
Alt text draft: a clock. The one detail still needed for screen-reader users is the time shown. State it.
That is 12:31
